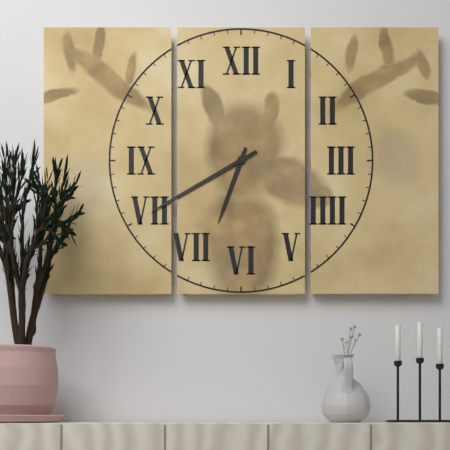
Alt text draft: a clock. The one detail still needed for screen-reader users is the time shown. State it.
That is 6:40
